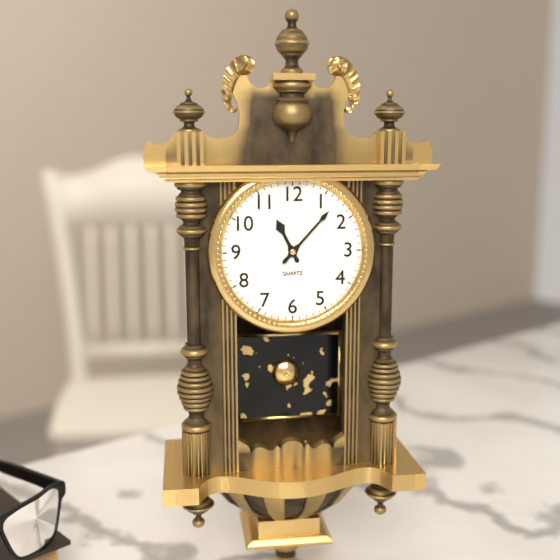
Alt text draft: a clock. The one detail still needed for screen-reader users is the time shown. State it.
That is 11:07
